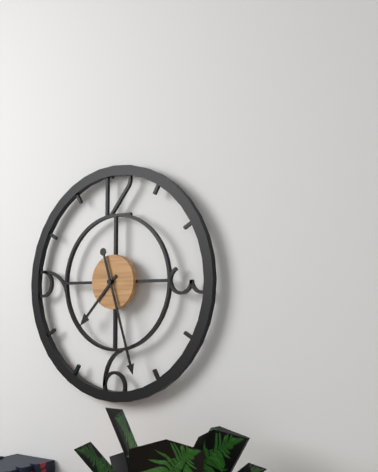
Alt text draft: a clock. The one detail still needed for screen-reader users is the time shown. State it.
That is 7:27
